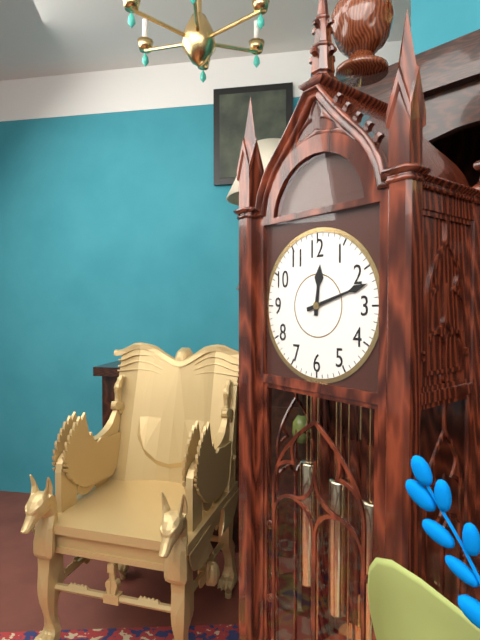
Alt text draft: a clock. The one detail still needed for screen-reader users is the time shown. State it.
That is 12:12
